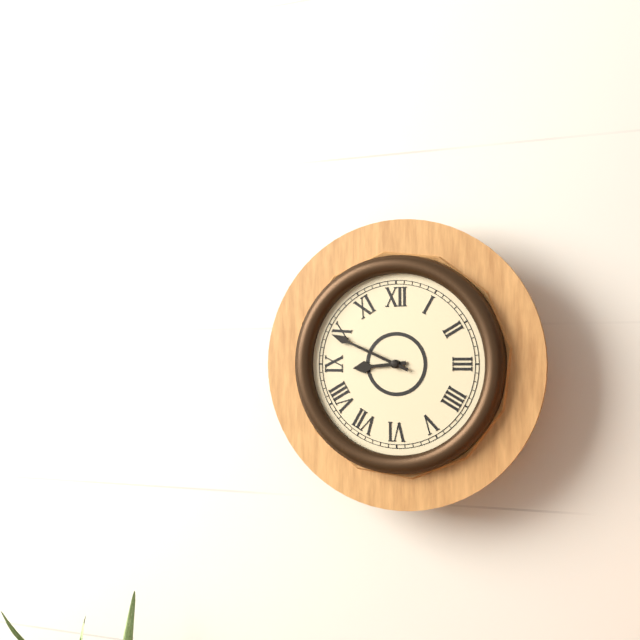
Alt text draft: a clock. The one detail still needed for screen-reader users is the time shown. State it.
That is 8:49
